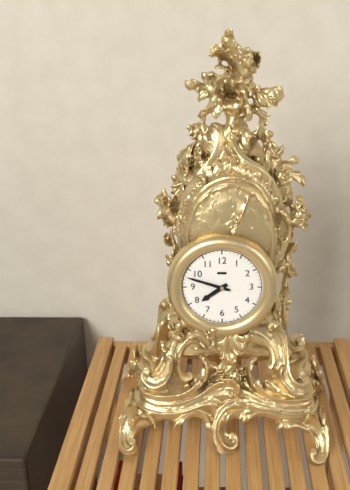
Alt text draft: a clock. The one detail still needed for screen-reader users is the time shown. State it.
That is 7:48
